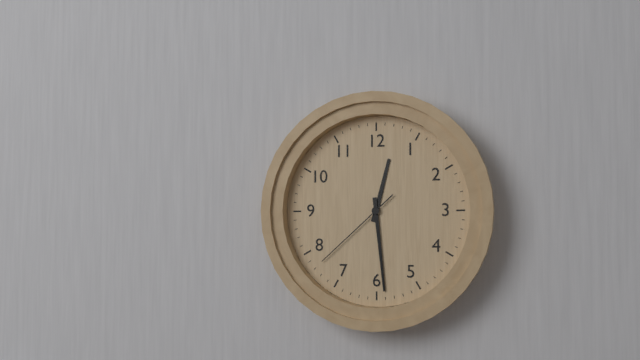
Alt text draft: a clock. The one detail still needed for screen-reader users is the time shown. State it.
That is 12:29:38
